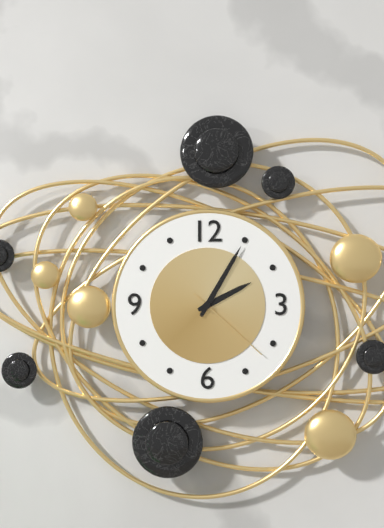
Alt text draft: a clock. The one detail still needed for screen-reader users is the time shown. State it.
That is 2:05:22
